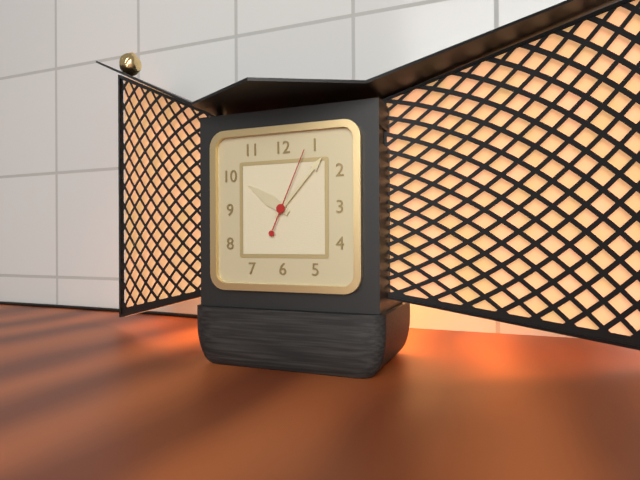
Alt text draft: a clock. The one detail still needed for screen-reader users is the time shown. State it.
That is 10:07:04
